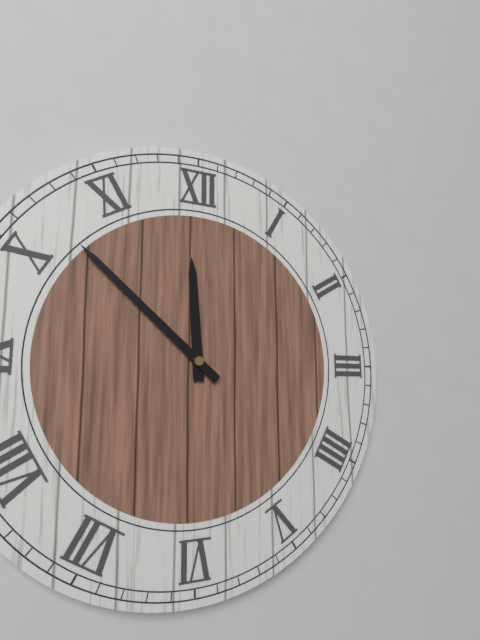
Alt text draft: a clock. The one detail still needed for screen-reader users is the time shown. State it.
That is 11:52
